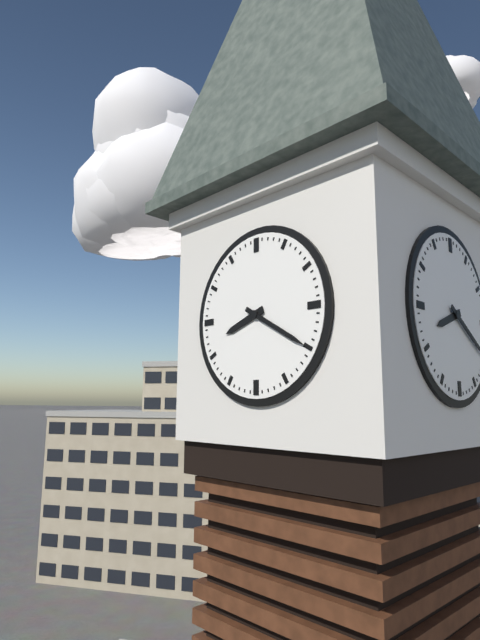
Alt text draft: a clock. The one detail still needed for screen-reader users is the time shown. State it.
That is 8:20
